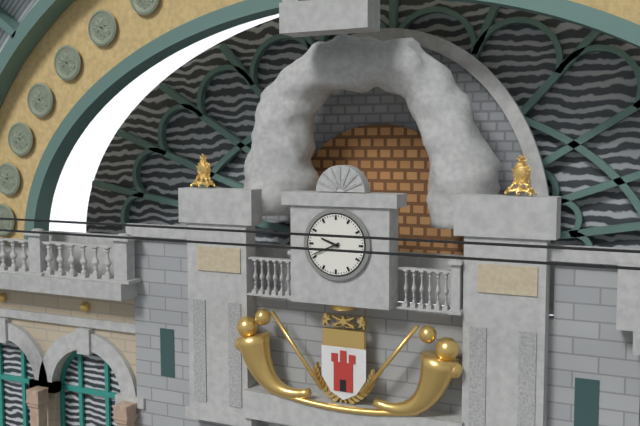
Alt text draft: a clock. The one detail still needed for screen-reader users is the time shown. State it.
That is 9:41
